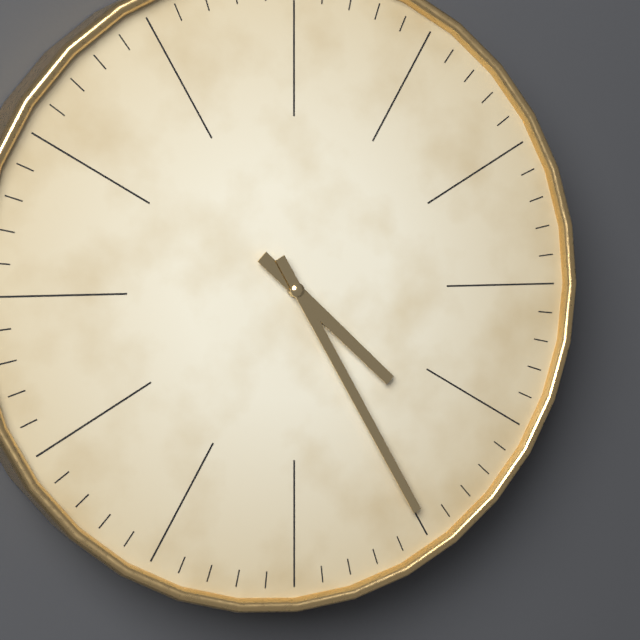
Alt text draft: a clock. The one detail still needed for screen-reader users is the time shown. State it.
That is 4:25
